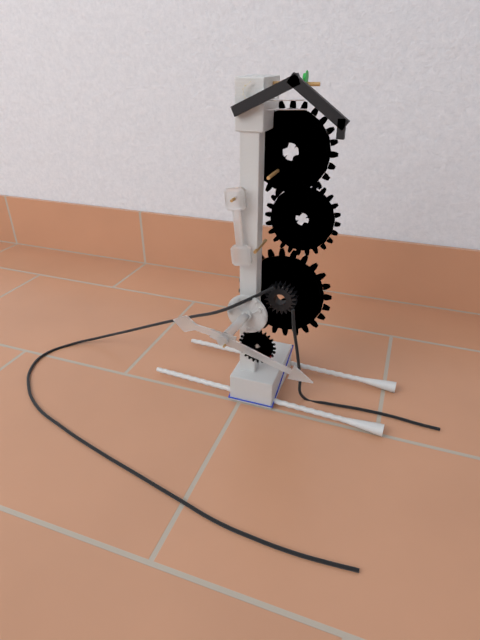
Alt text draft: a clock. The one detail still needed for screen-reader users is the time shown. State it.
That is 9:18
